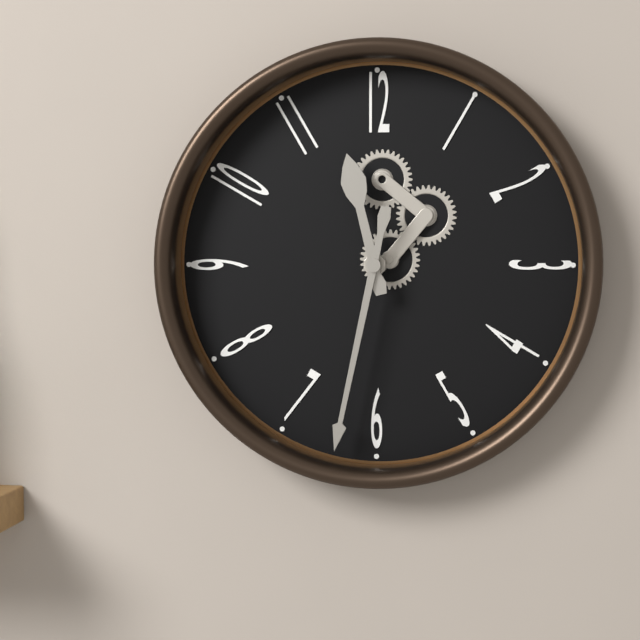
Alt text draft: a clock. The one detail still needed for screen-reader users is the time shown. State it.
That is 11:32
